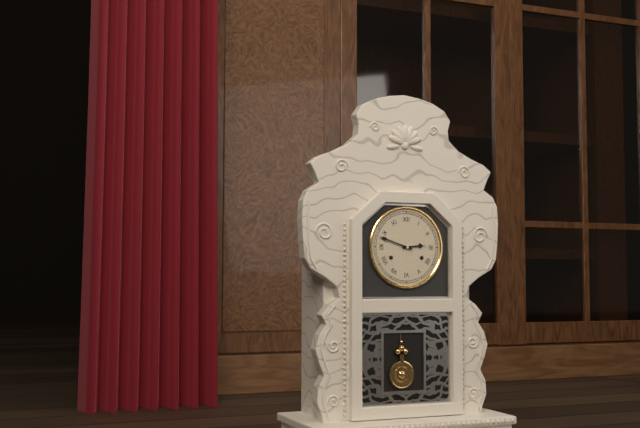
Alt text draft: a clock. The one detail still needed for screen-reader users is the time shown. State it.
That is 2:48
